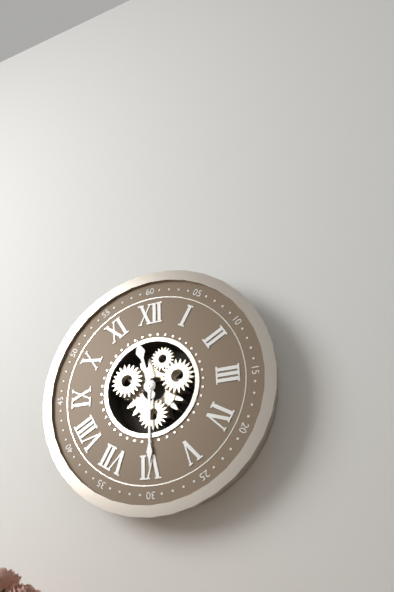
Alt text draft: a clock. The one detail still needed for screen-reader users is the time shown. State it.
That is 11:30
